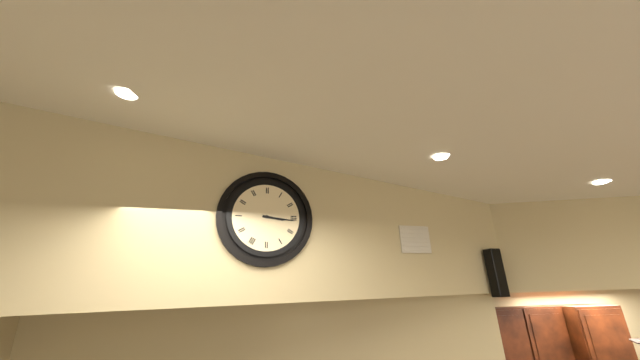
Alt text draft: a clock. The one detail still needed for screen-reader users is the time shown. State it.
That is 3:16
